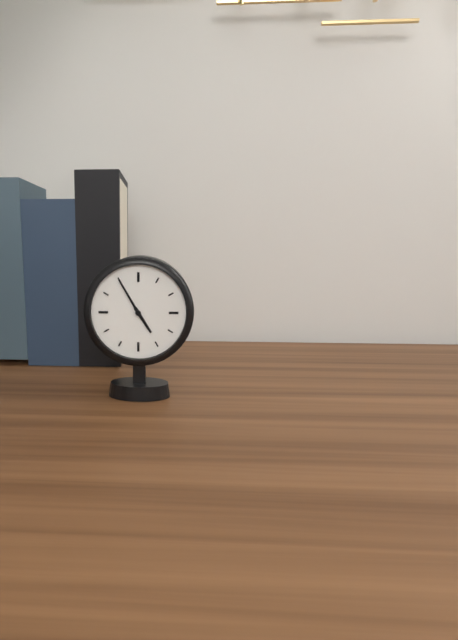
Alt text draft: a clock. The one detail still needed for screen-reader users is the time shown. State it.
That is 4:55
